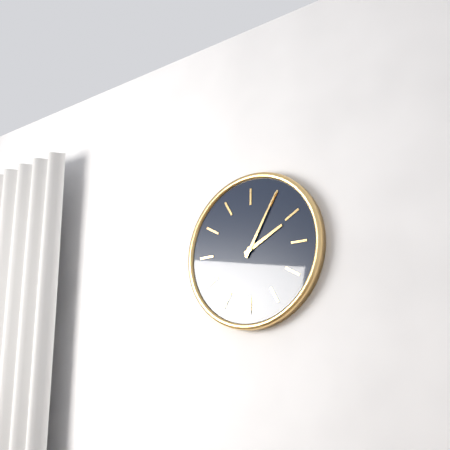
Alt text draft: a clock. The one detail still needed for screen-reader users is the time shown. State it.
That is 2:05
